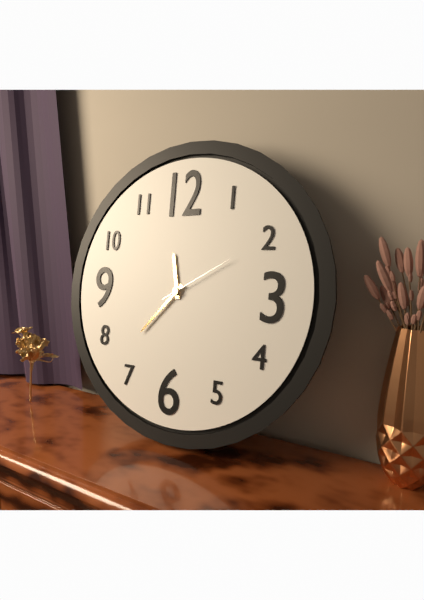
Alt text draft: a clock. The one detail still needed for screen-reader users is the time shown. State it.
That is 11:37:10
